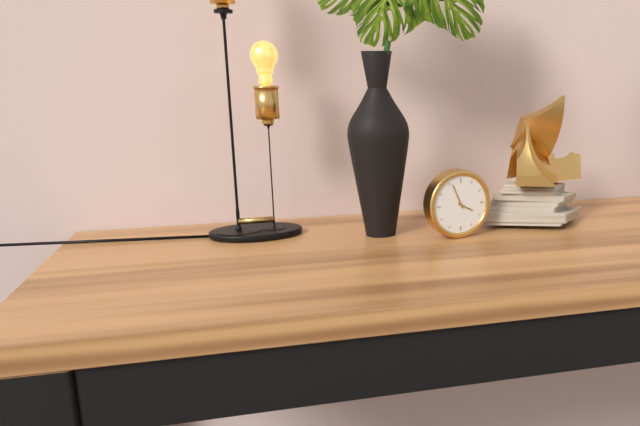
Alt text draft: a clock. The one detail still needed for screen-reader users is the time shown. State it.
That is 3:56
